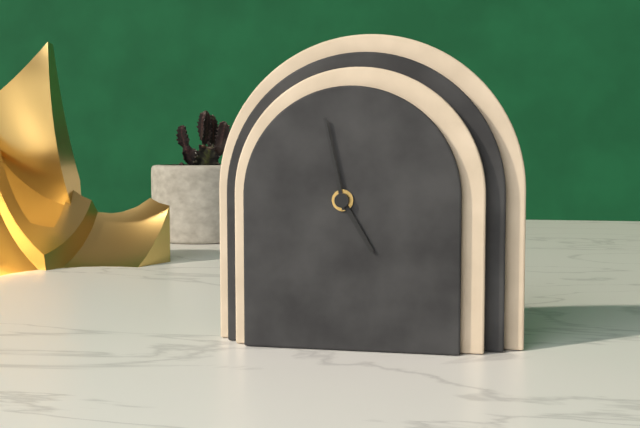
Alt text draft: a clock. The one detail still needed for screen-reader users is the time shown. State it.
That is 4:58
